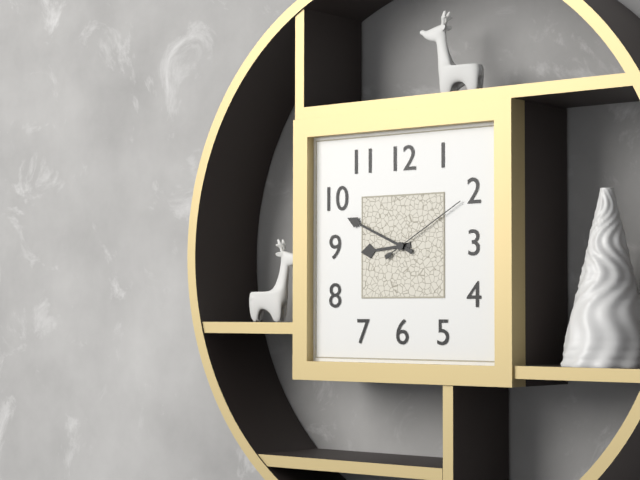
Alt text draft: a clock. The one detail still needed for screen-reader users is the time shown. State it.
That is 8:49:10
